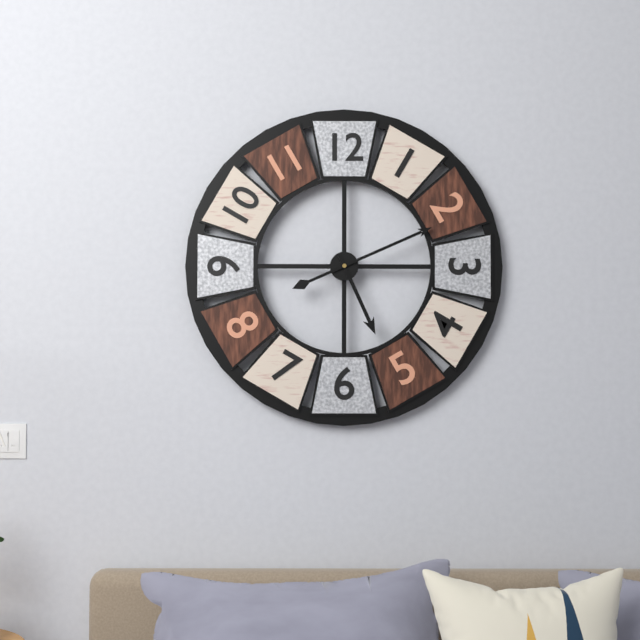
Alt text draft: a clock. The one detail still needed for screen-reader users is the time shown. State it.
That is 5:11
